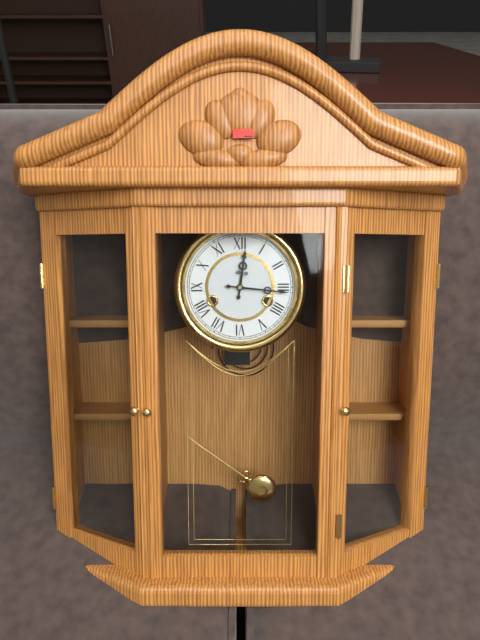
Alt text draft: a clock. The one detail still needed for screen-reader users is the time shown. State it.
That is 12:16
